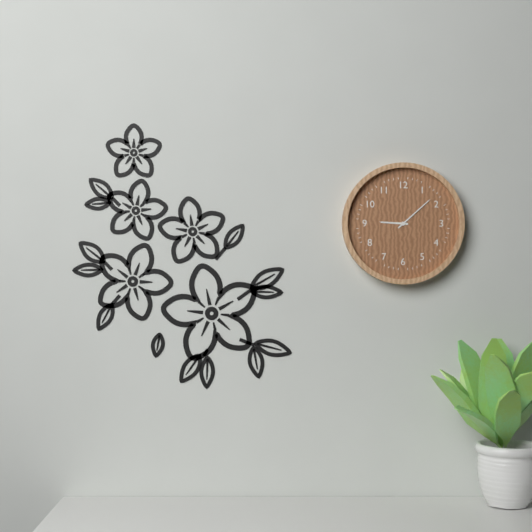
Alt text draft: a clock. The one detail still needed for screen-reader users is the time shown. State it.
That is 9:08
